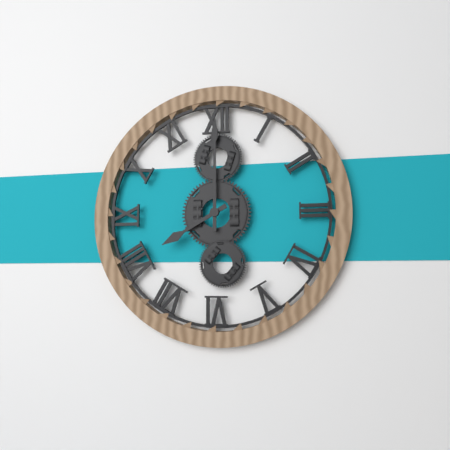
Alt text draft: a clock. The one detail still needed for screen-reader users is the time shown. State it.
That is 8:00
